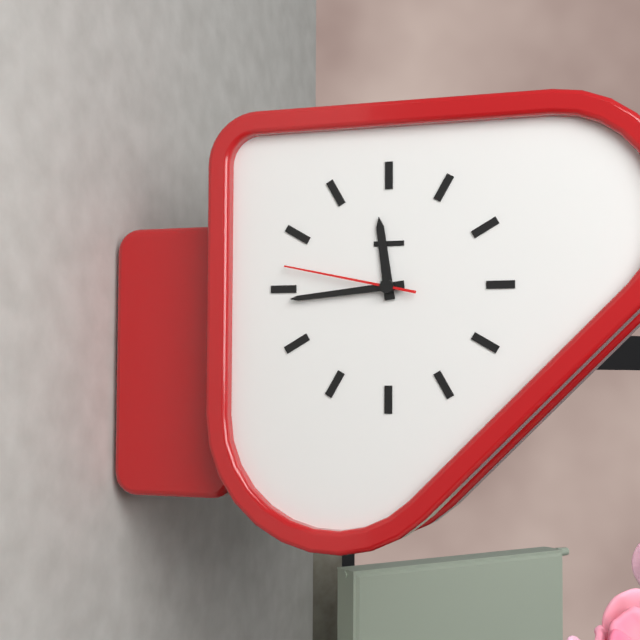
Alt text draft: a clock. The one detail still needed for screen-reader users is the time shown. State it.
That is 11:44:47
